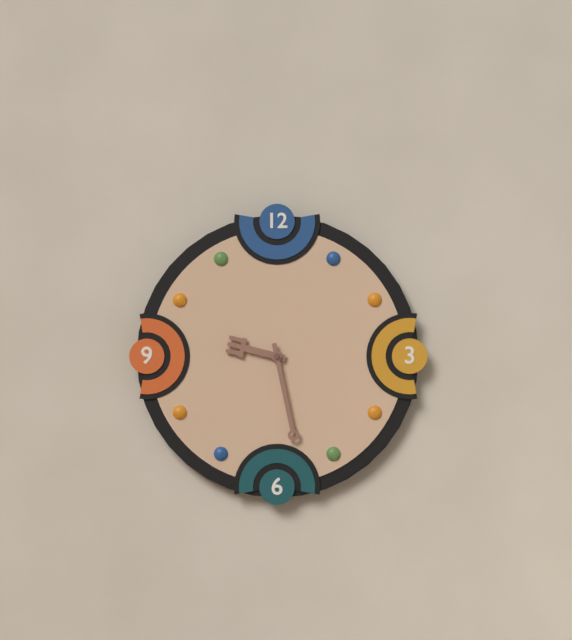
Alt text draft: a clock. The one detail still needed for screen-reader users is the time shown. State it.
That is 9:28
